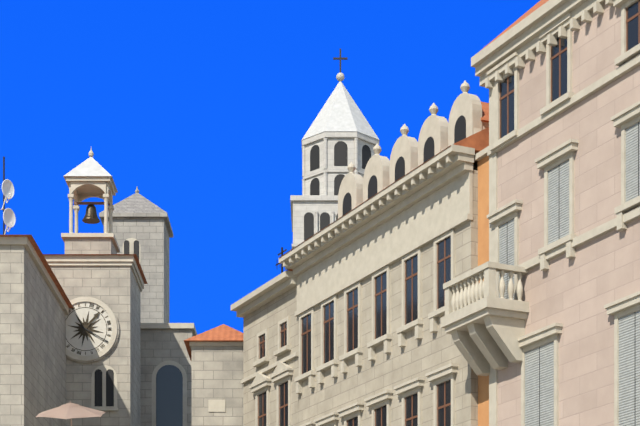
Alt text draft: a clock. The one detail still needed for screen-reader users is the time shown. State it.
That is 1:20
